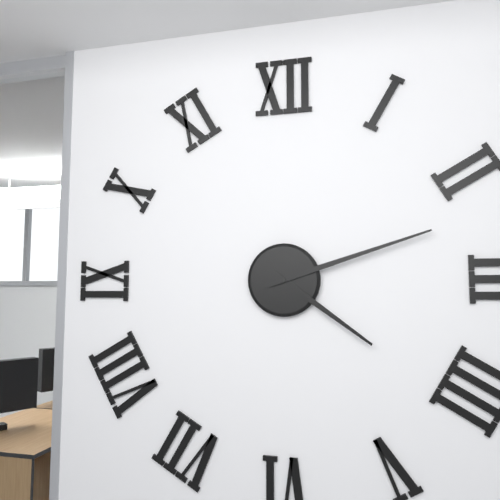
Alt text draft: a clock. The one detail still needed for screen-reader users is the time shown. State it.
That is 4:12
